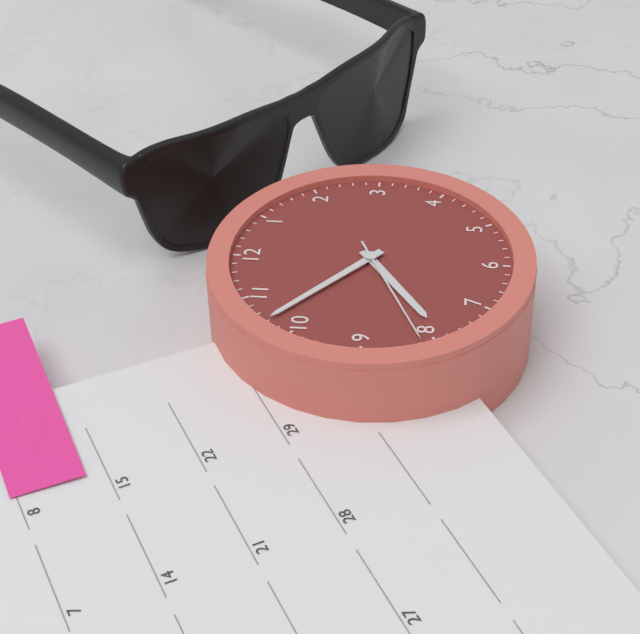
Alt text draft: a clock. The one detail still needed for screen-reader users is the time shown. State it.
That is 7:52:41
